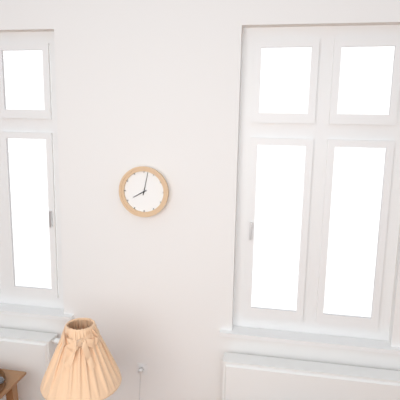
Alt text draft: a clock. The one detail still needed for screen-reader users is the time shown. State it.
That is 8:02
